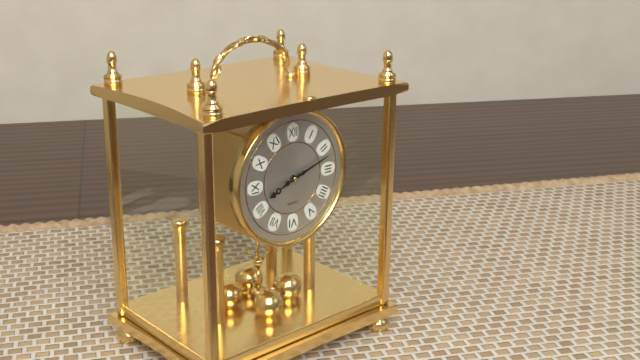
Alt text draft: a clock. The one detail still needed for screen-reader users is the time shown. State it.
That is 8:12
